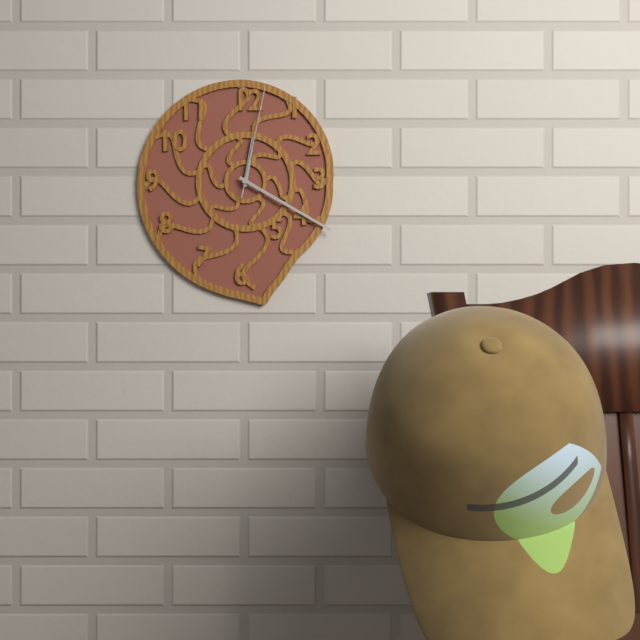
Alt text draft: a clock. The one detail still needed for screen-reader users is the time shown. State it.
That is 12:20:02
